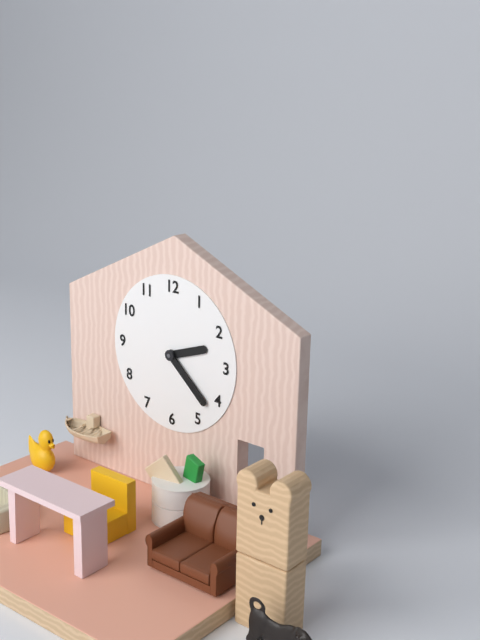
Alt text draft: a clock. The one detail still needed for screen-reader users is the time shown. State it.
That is 2:22
